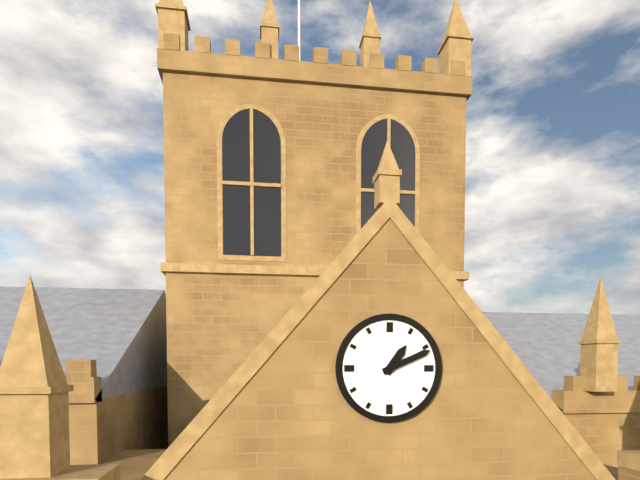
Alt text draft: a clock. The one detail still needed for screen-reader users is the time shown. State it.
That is 1:11
